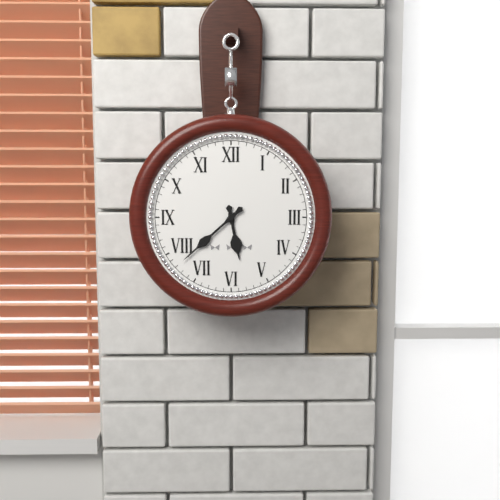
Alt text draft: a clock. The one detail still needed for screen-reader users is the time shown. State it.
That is 5:38
